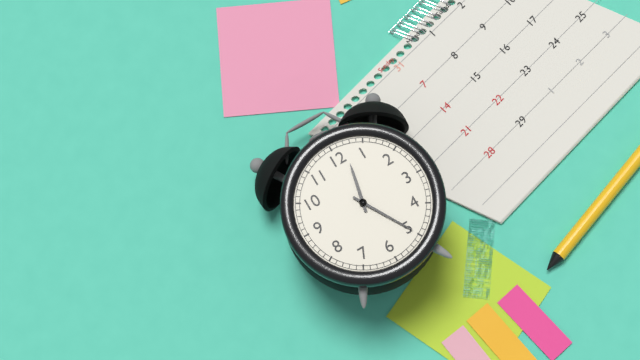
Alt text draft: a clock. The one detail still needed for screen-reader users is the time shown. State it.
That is 12:25
